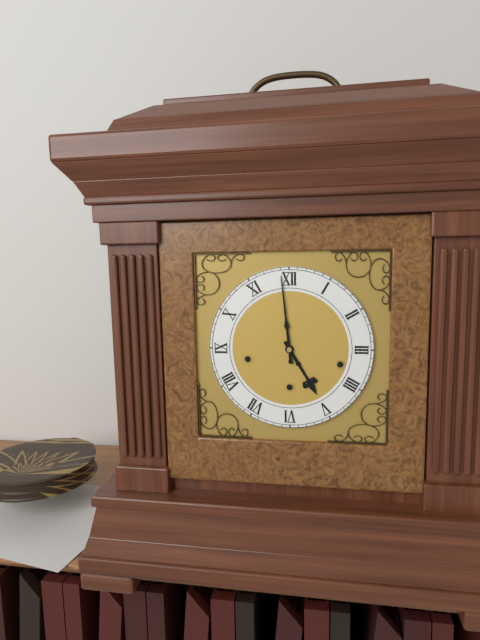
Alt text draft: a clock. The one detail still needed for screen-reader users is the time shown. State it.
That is 4:59
